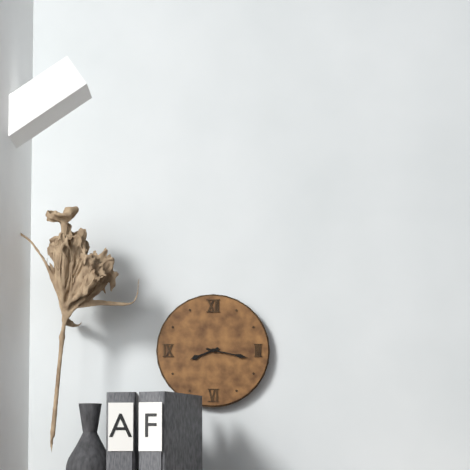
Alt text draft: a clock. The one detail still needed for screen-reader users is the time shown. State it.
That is 8:17
